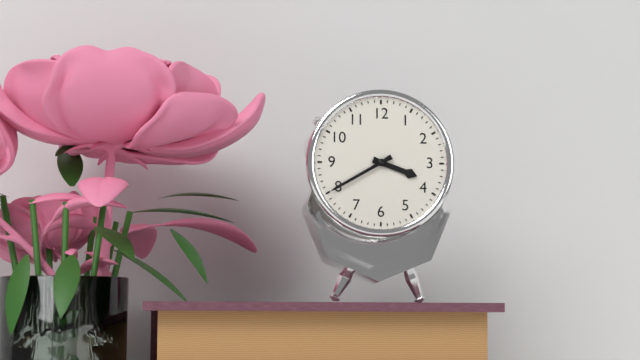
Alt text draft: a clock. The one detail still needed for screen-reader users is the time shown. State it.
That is 3:40
